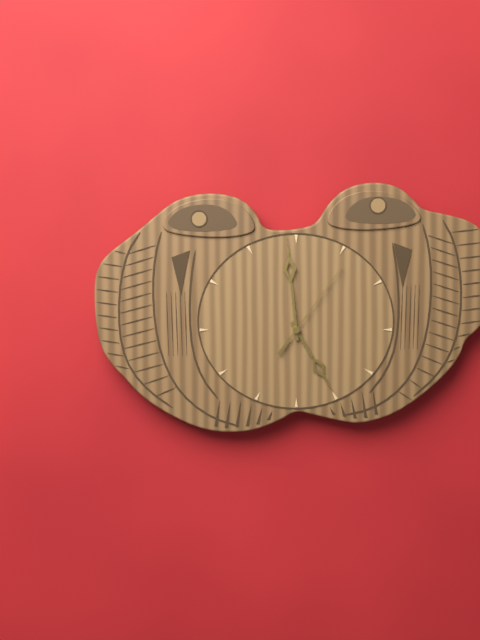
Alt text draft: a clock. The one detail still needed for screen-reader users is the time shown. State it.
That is 4:59:06
